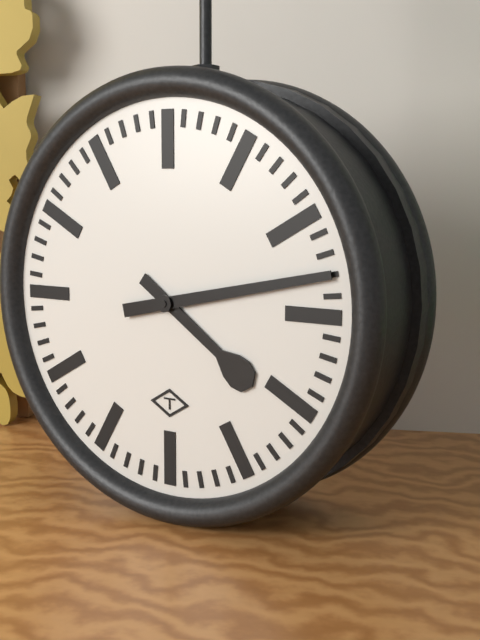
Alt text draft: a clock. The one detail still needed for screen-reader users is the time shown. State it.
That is 4:13
